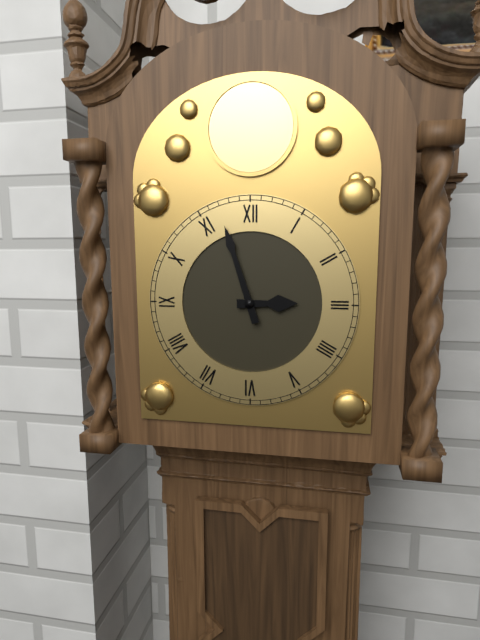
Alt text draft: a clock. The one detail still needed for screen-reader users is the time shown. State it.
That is 2:57
